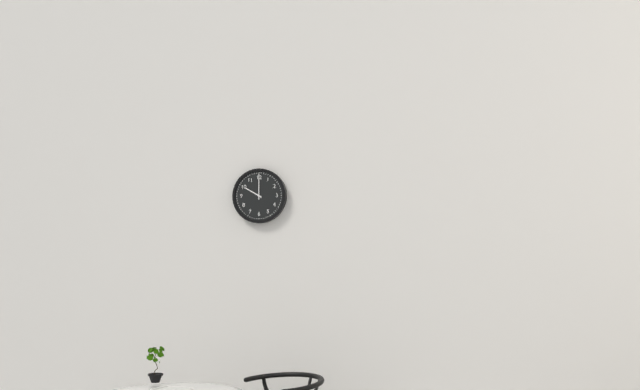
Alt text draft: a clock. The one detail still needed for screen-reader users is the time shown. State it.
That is 10:00
